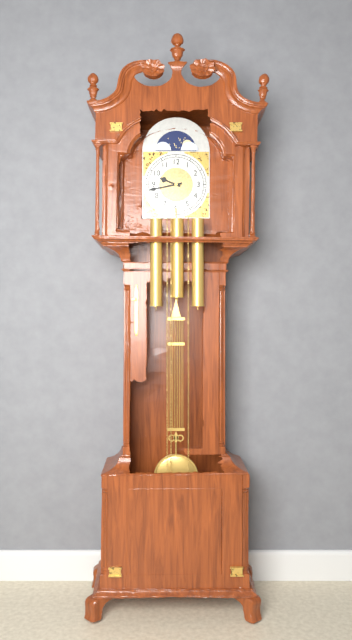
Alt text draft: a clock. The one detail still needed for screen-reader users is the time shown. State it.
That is 9:43
